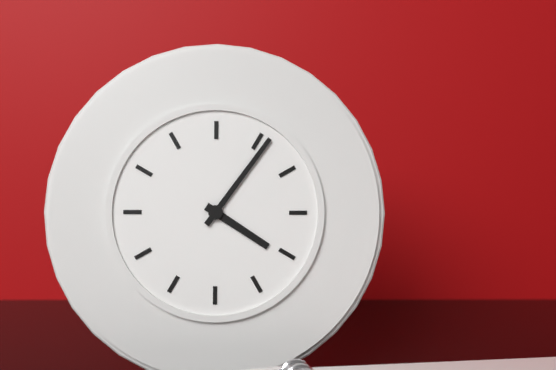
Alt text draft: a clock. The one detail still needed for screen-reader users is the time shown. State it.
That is 4:06
